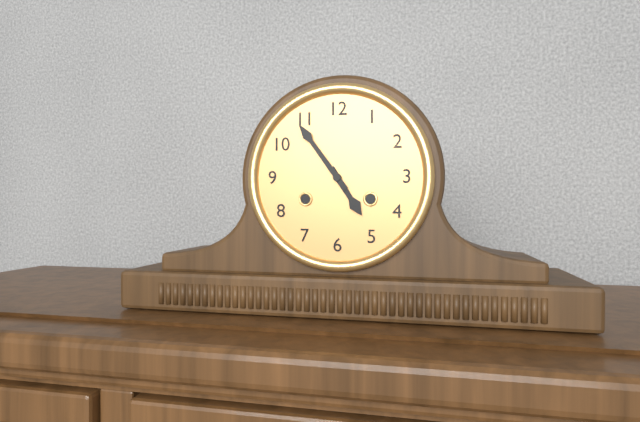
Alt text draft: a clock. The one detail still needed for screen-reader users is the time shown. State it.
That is 4:54
